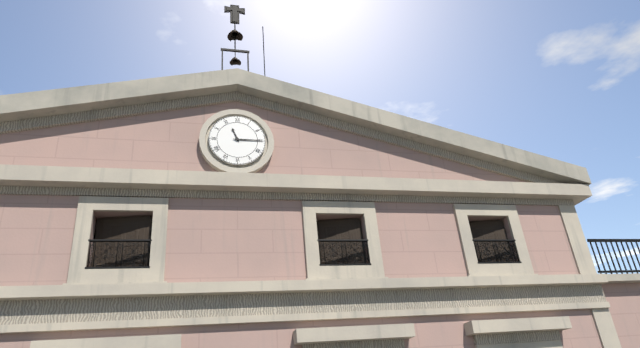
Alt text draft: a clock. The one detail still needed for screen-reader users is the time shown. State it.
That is 11:15
